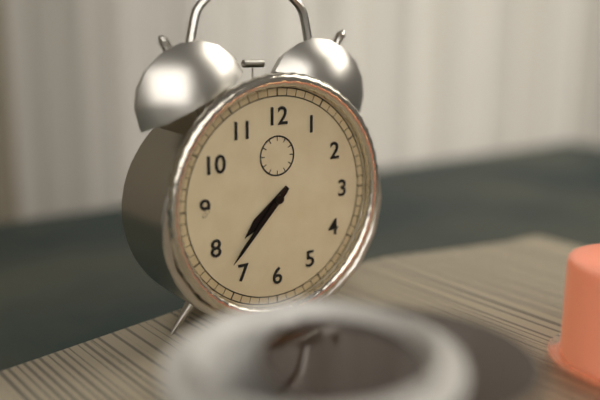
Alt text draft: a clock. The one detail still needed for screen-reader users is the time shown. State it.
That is 7:37
